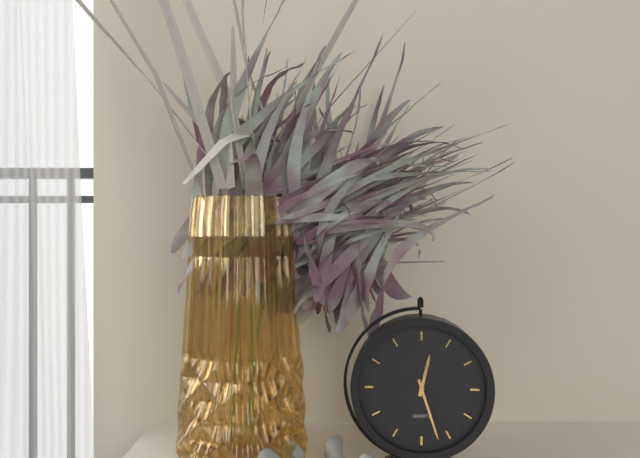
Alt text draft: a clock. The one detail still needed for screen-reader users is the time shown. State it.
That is 12:27
